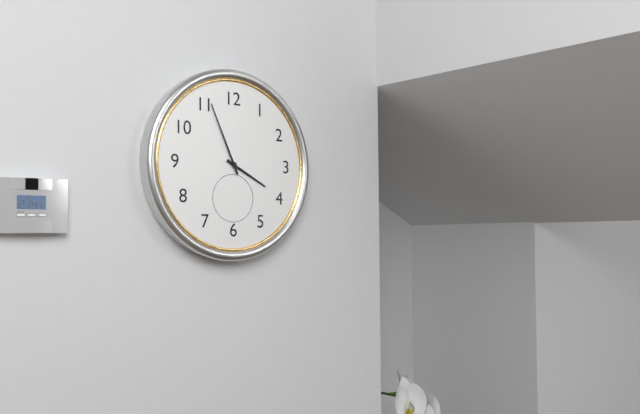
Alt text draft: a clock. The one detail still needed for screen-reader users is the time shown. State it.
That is 3:56
